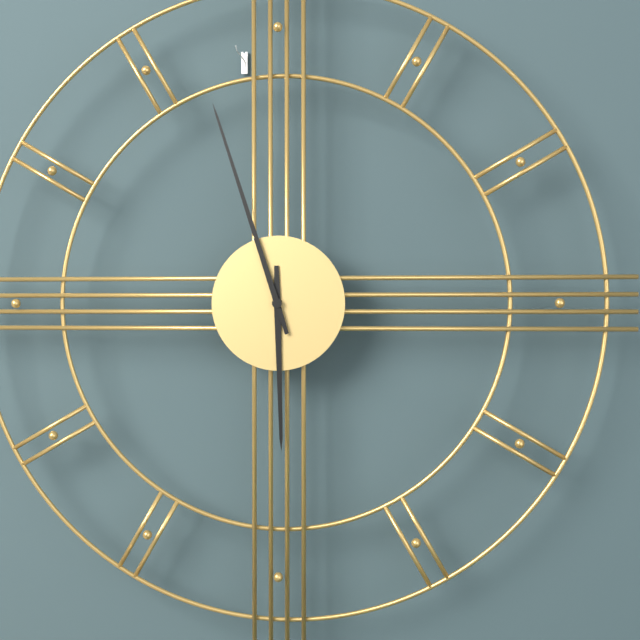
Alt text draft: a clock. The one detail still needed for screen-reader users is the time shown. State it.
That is 5:57
